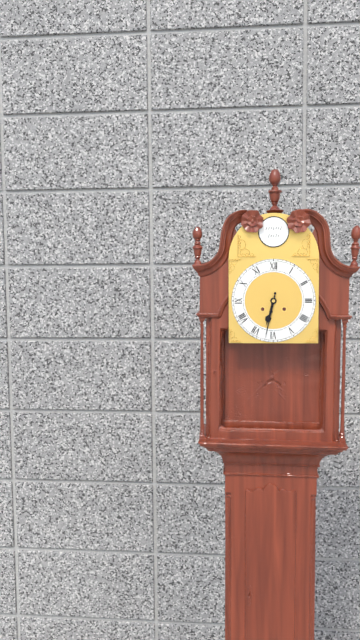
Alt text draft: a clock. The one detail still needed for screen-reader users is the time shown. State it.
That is 6:32
